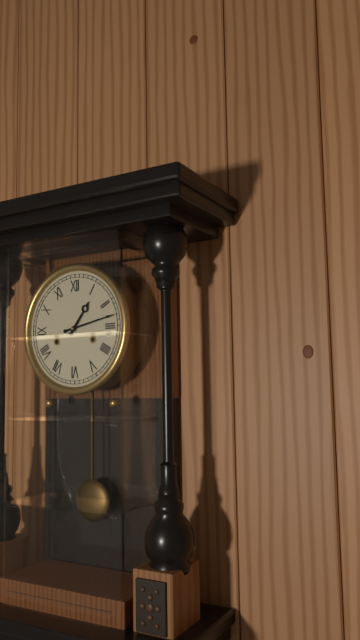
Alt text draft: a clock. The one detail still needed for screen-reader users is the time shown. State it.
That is 1:13
